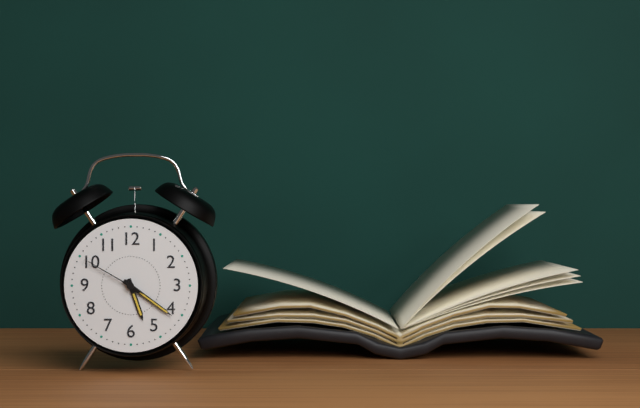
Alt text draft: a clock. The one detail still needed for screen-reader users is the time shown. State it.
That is 5:21:50
